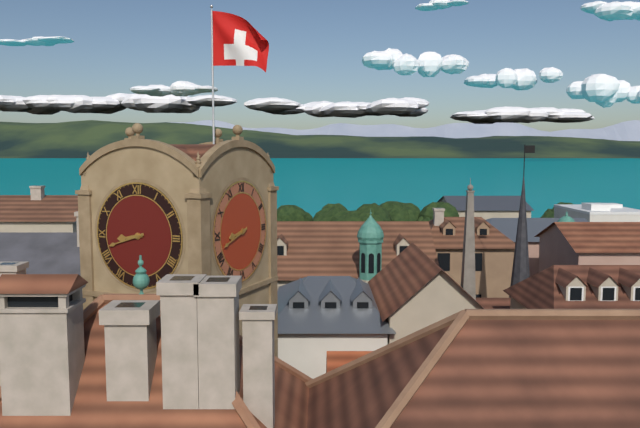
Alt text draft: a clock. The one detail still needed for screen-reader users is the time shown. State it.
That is 8:42
